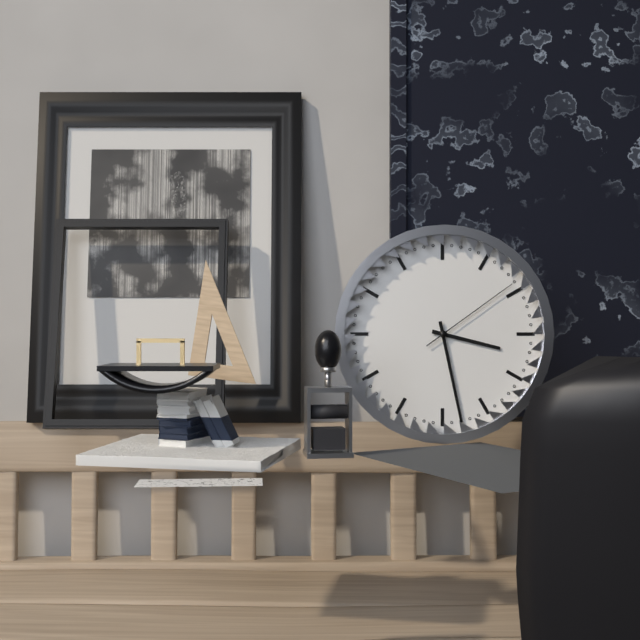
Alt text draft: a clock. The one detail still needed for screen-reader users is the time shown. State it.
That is 3:28:09
